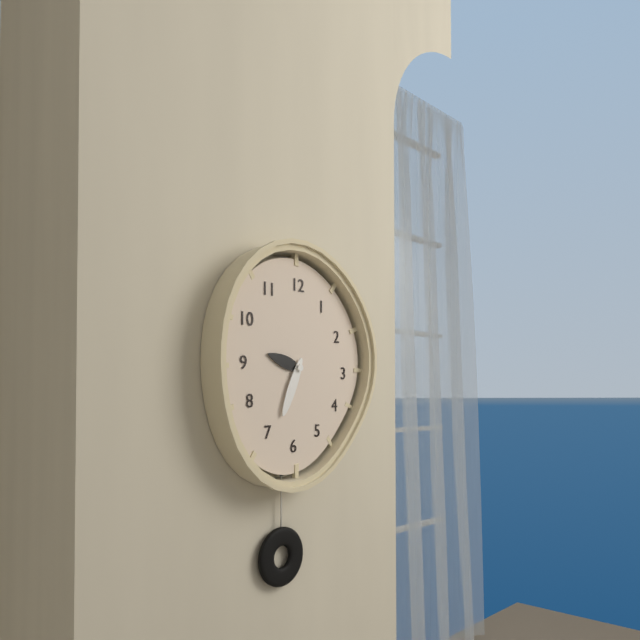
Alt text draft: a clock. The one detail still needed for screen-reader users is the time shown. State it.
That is 9:34
